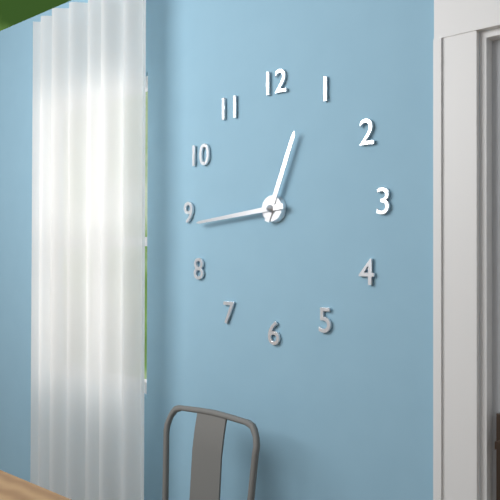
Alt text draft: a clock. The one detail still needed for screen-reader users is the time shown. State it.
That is 12:44
